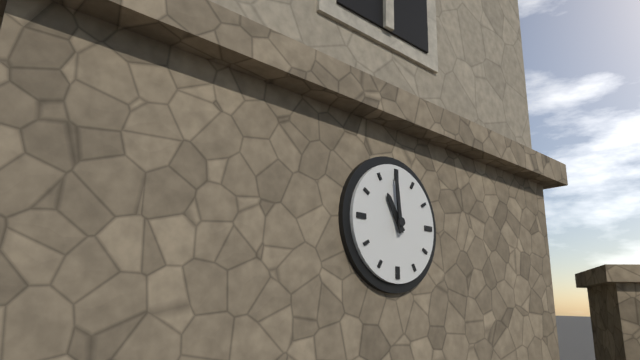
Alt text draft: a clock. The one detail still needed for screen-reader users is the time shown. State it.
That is 10:59
